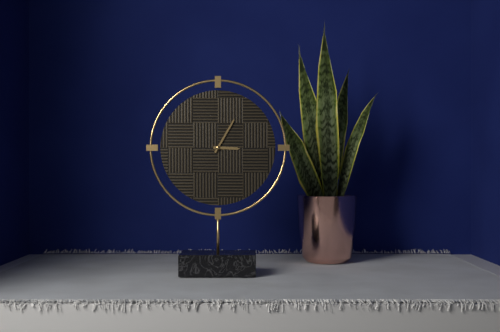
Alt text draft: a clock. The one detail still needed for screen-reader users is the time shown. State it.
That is 3:05
